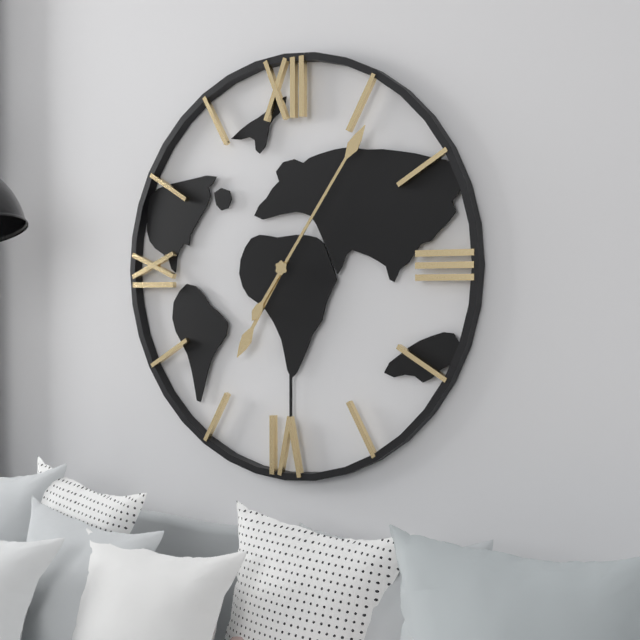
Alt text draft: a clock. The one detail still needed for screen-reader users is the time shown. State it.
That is 7:06
